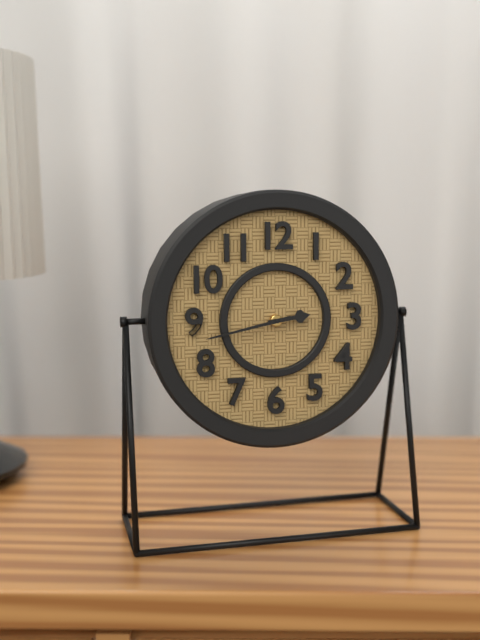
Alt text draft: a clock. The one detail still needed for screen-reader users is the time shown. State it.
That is 2:43
